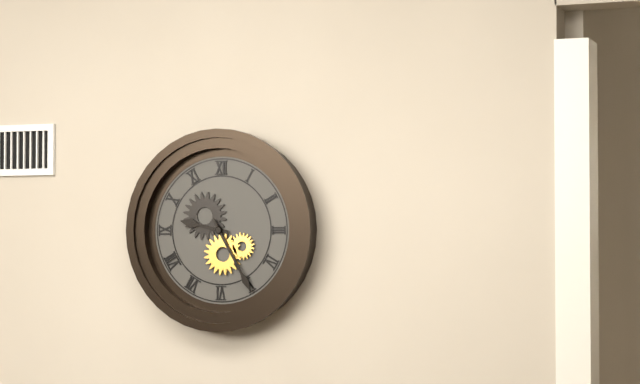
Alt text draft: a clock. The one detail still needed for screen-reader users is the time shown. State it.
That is 9:25
